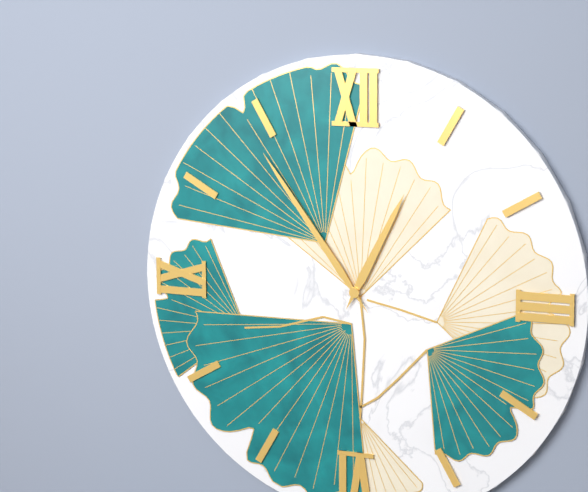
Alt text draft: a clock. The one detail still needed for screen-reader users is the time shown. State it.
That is 12:54
